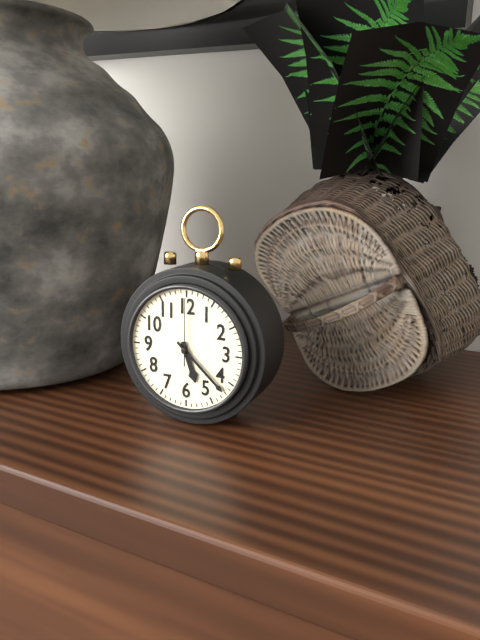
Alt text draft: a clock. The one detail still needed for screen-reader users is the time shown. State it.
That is 5:22:00
